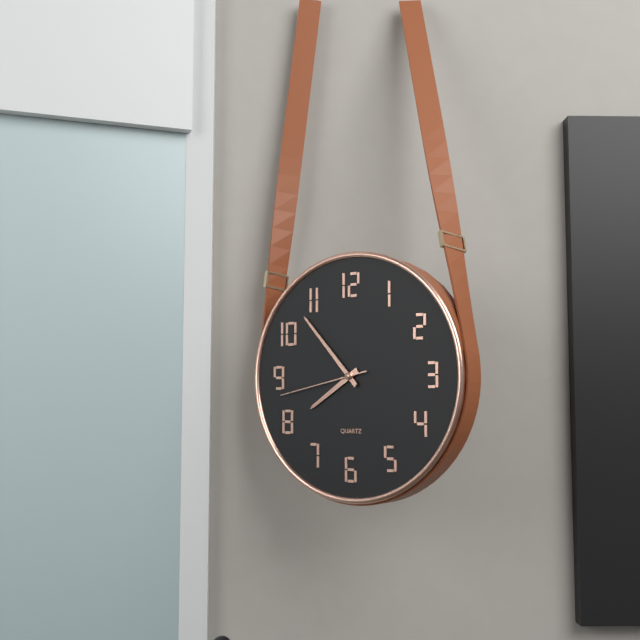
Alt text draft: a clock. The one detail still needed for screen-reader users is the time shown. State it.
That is 7:53:43
